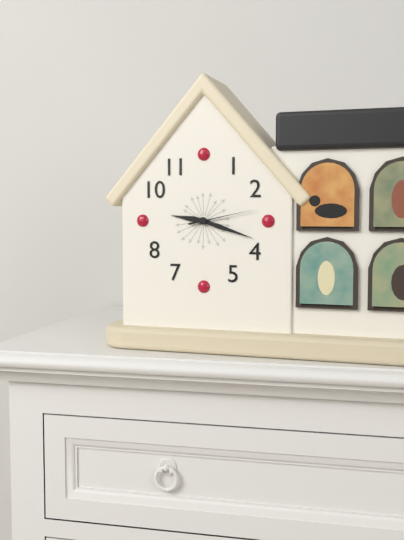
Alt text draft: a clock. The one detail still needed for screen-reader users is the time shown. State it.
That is 9:18:13
